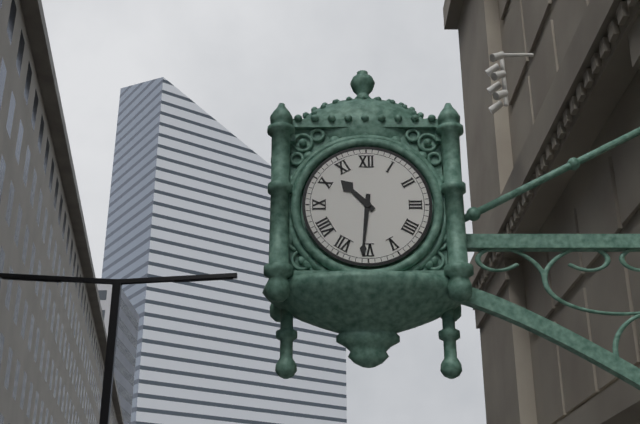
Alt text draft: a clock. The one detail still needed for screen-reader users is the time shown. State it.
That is 10:31
